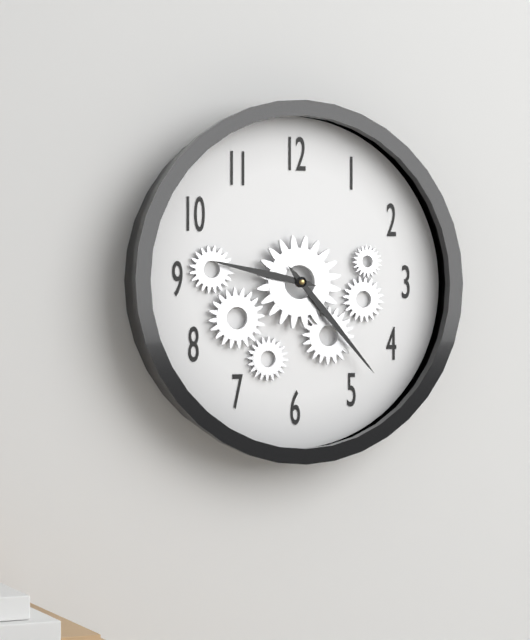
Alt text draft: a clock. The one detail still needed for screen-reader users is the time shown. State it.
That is 9:23
